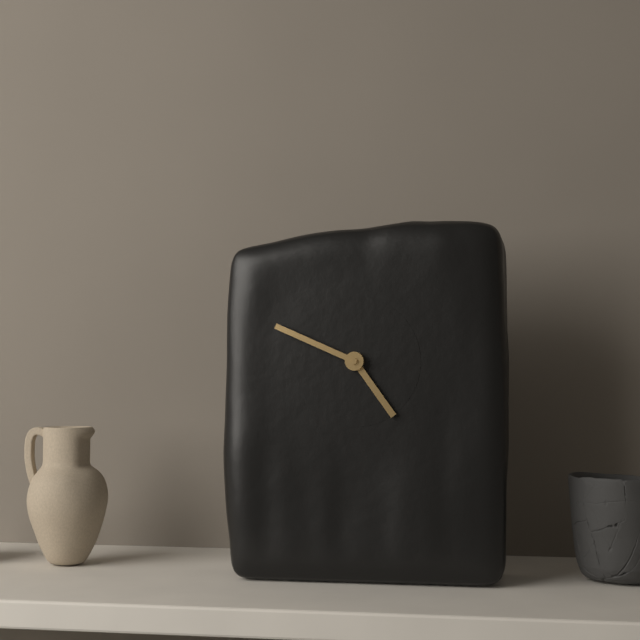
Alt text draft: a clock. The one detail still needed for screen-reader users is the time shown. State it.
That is 4:49
